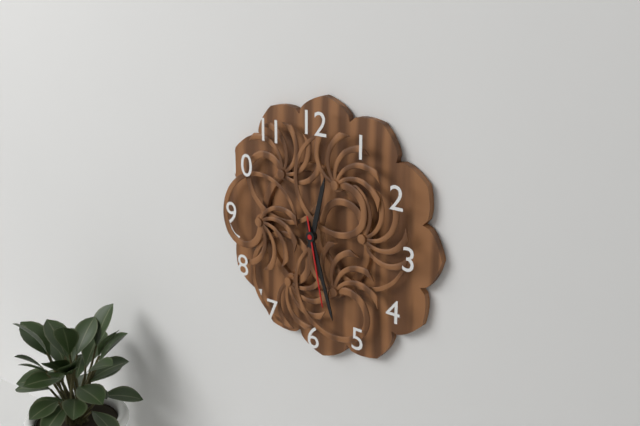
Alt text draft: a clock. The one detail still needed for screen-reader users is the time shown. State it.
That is 12:27:28
